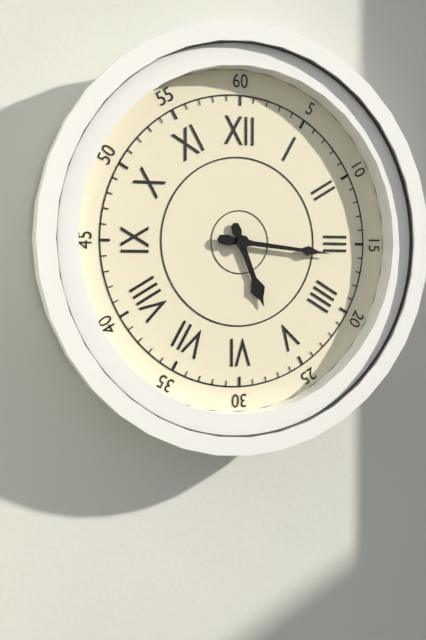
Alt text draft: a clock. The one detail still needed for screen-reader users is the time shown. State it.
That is 5:16
